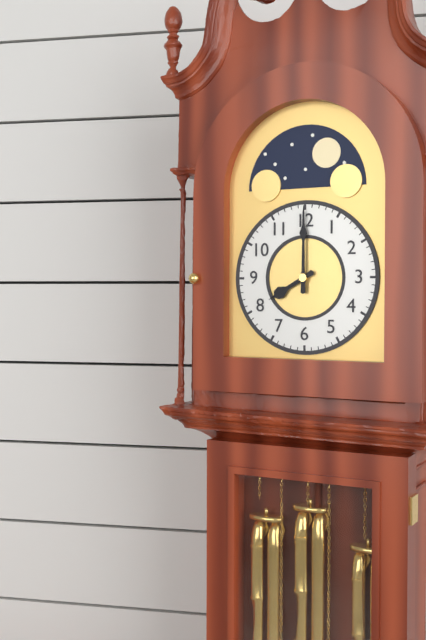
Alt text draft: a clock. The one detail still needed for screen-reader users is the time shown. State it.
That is 8:00
